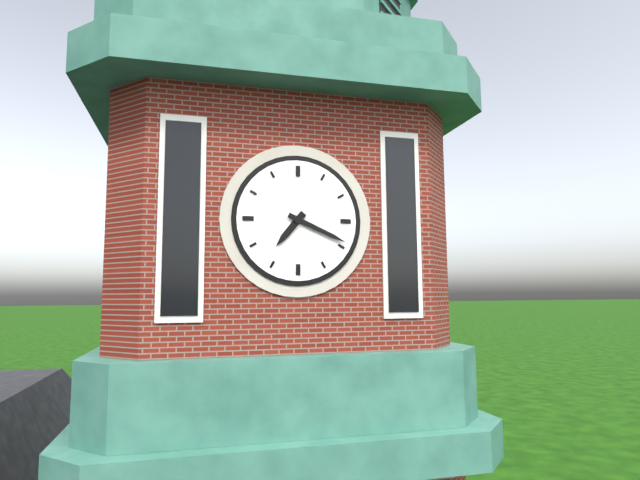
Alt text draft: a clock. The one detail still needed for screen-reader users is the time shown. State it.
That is 7:19
